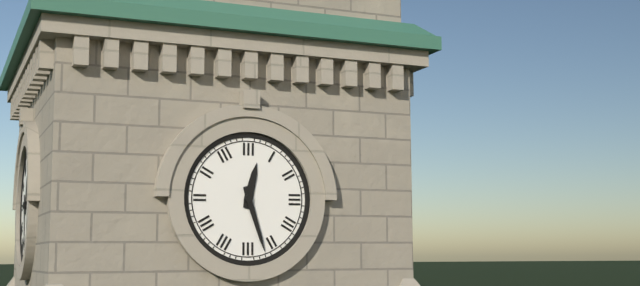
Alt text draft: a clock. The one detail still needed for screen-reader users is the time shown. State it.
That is 12:27
